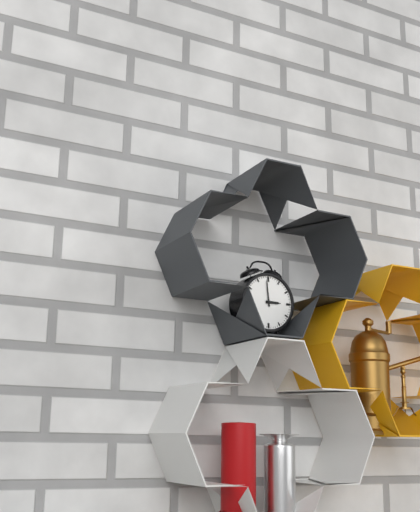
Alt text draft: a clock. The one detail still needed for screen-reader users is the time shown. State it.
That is 2:59
